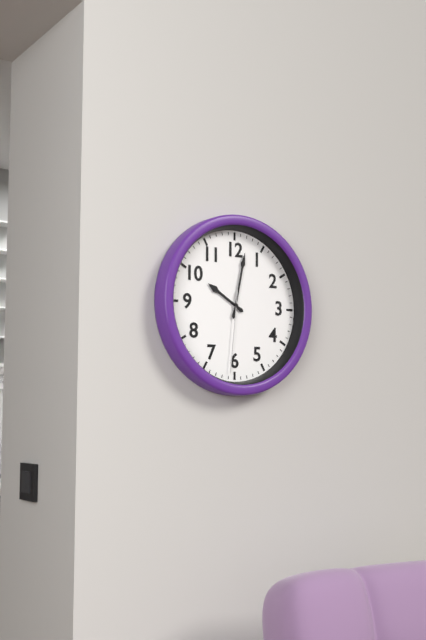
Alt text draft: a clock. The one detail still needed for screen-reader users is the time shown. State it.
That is 10:02:31
